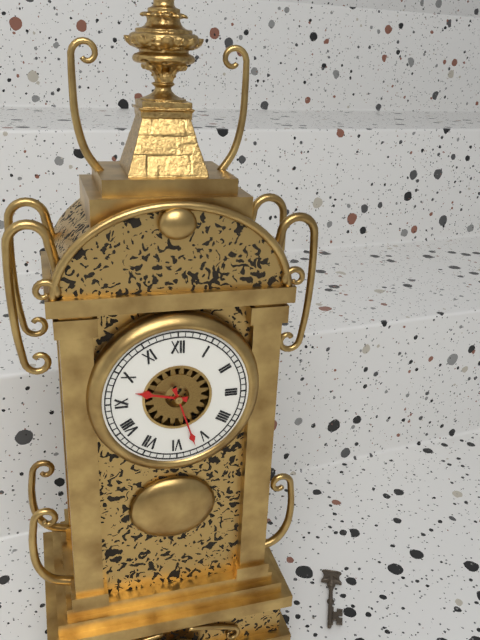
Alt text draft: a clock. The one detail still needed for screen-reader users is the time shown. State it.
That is 9:27
